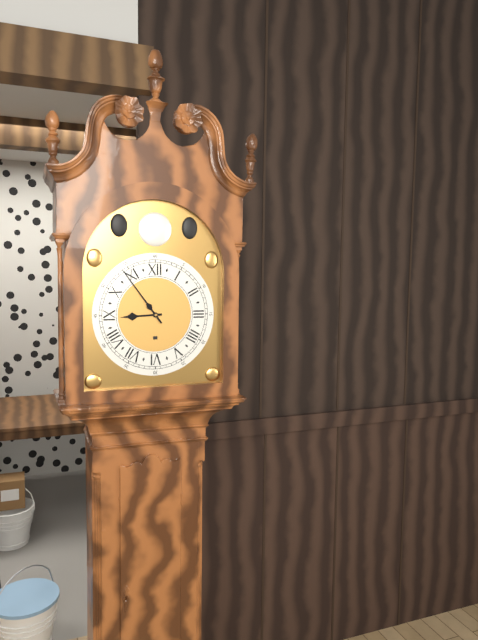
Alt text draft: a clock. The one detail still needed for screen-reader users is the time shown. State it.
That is 8:54
